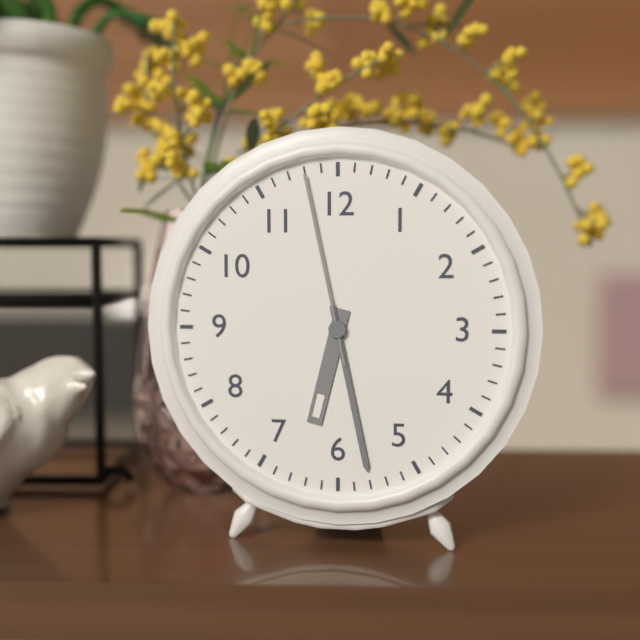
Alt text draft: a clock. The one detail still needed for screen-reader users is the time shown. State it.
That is 6:28:58
